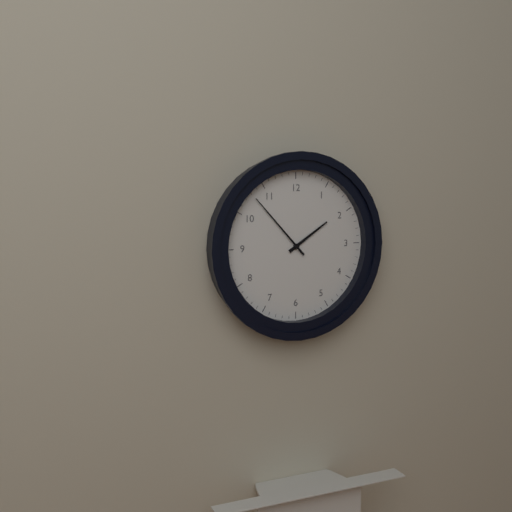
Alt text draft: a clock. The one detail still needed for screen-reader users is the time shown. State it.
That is 1:53
